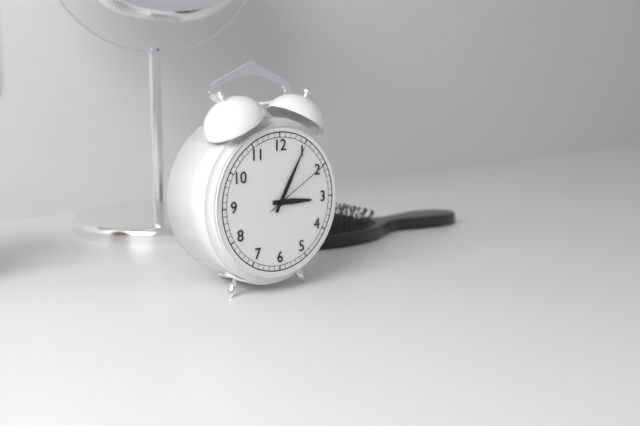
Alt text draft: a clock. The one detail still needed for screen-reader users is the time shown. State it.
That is 3:05:10
